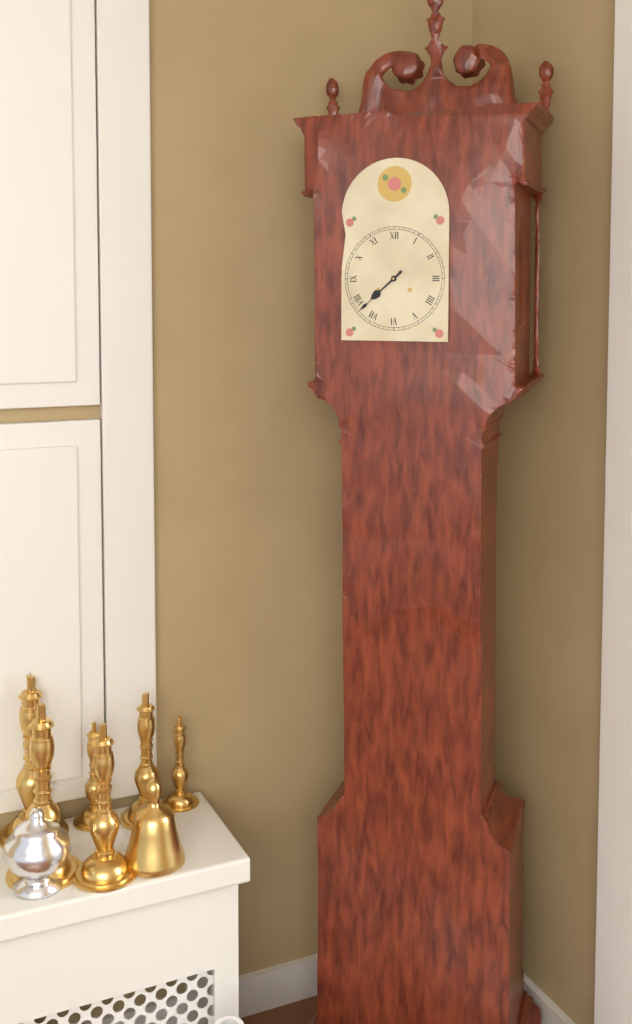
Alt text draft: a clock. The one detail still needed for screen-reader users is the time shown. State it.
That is 7:38
